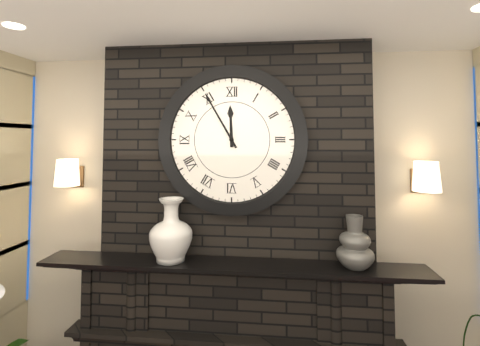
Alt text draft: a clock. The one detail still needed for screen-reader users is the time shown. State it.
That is 11:55
